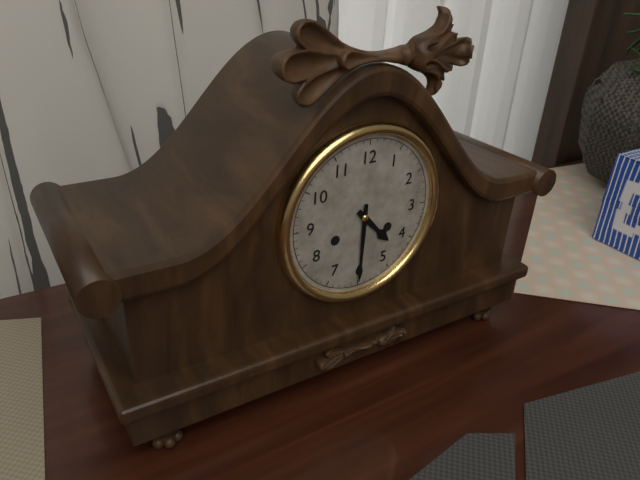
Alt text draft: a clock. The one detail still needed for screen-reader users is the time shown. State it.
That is 4:30
